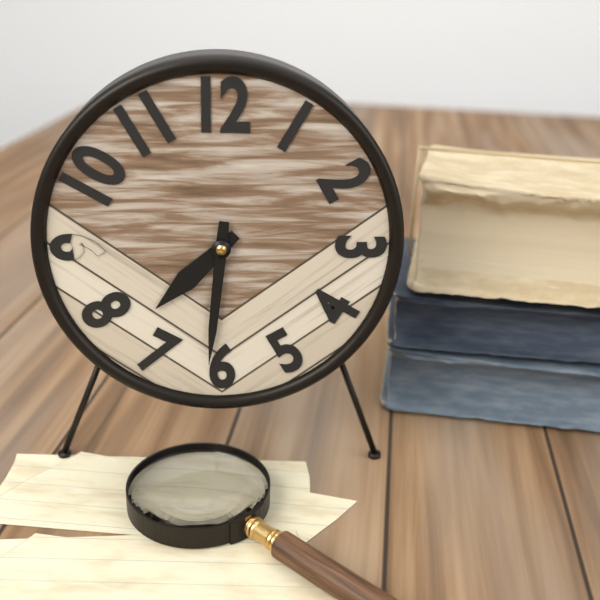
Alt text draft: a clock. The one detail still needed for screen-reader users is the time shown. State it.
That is 7:31
